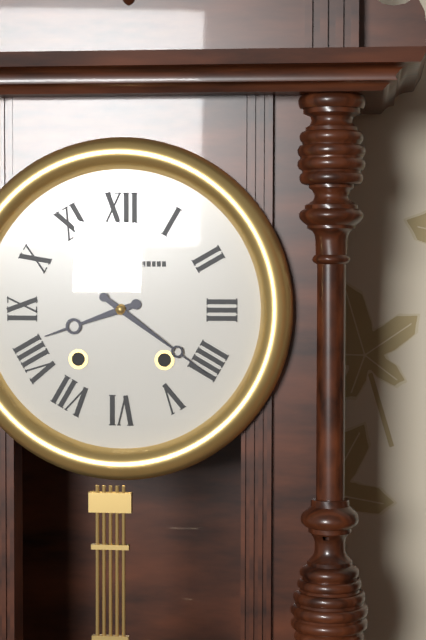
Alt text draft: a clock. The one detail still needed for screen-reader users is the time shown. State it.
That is 8:21
